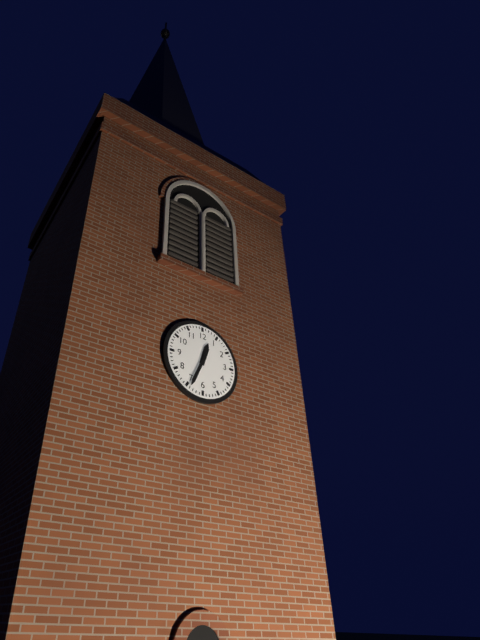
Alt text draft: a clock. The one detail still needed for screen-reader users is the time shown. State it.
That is 12:34
